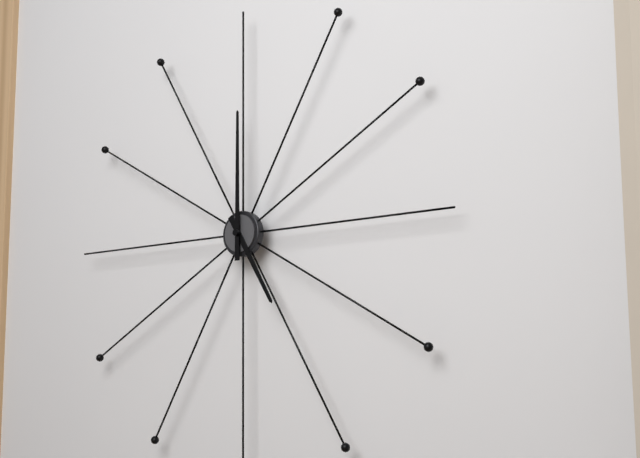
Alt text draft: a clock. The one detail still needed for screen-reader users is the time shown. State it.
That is 5:00
